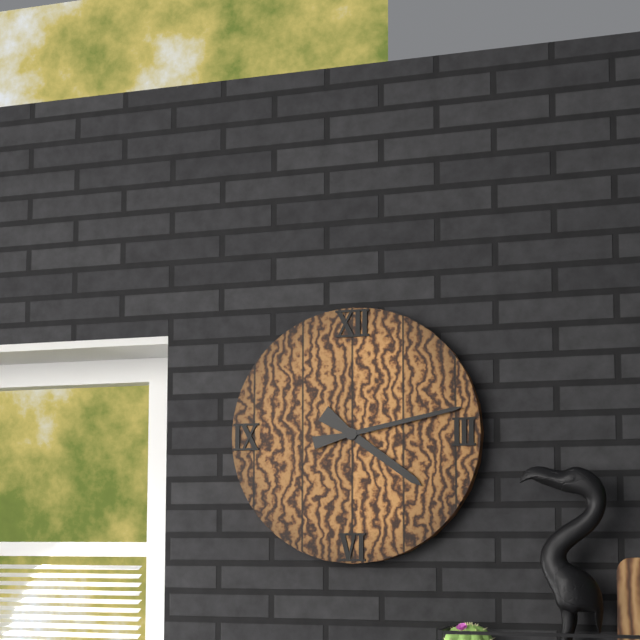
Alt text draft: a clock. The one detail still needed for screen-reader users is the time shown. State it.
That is 4:13
